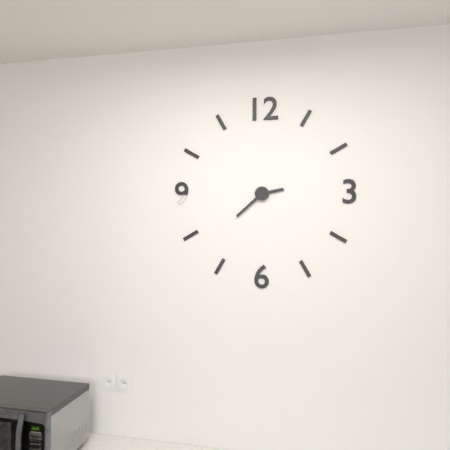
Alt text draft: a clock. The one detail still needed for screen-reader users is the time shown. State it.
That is 2:38
